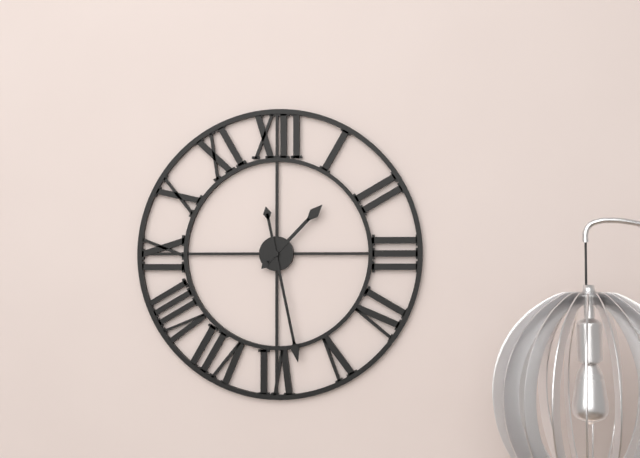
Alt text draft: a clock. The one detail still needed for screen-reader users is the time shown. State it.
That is 1:28
